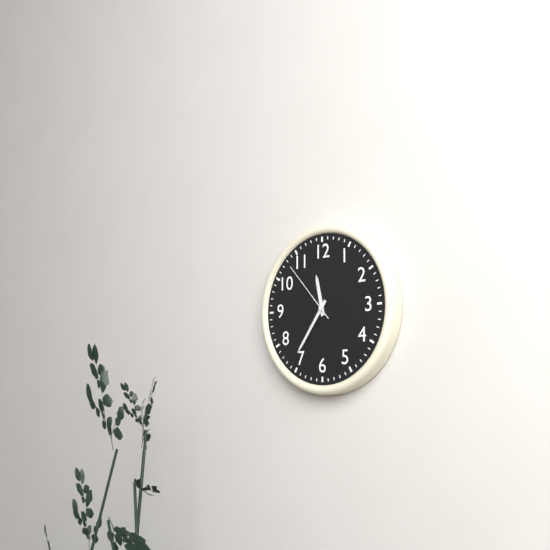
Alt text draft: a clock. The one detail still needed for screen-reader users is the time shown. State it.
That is 11:36:53
